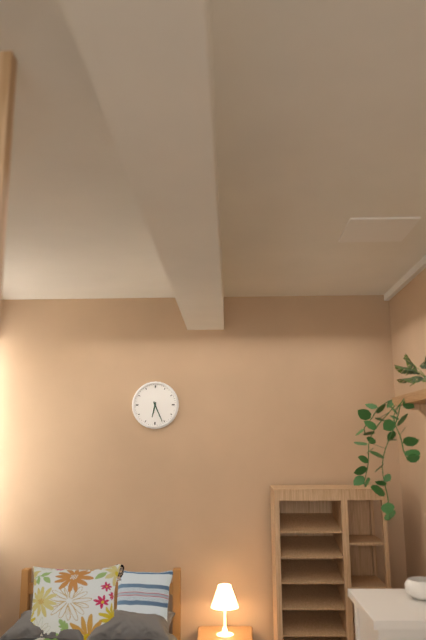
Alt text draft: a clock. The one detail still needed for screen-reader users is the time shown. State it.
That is 6:26
